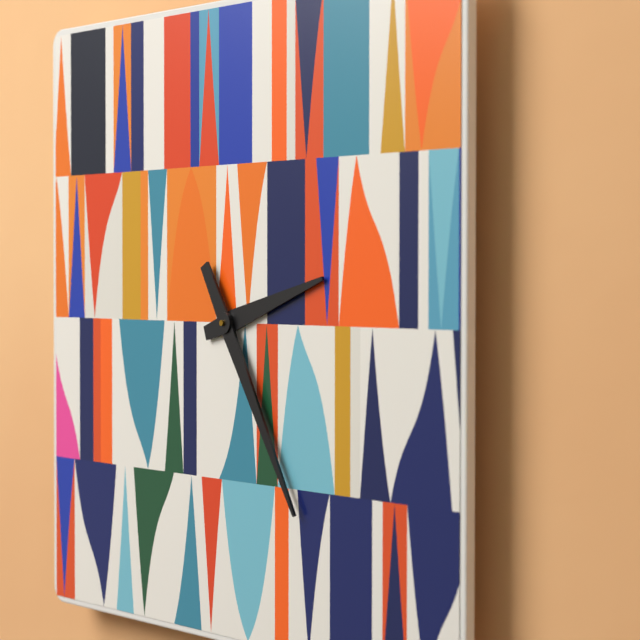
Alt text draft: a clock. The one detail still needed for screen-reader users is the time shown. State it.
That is 2:25
